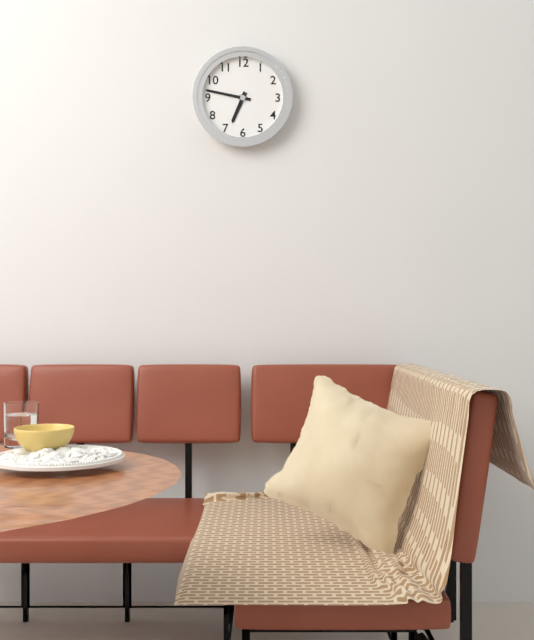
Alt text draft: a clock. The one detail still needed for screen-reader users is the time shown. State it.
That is 6:47
